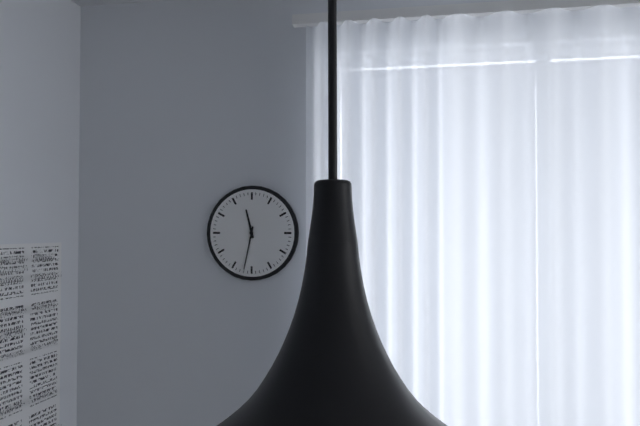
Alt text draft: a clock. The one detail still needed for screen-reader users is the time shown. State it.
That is 11:32
